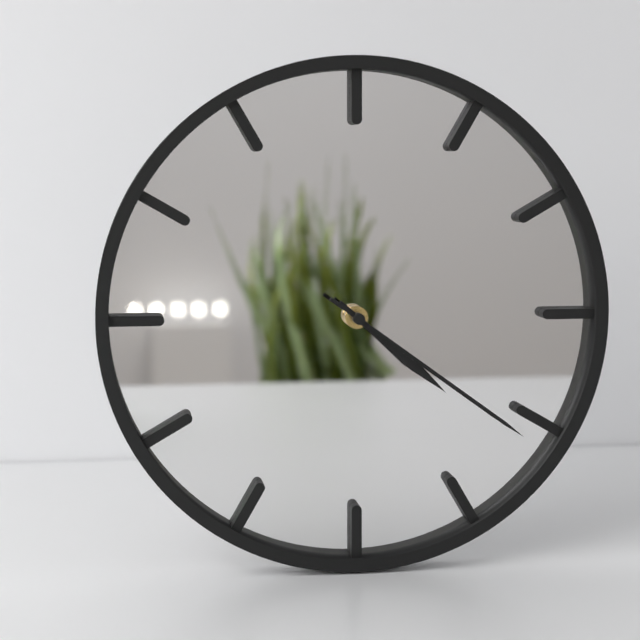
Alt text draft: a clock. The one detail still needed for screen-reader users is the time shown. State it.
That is 4:21
